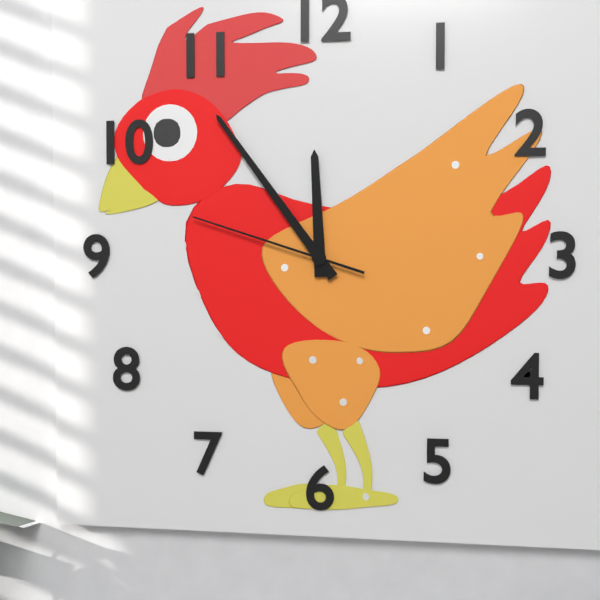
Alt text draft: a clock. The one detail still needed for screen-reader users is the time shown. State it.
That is 11:54:48
